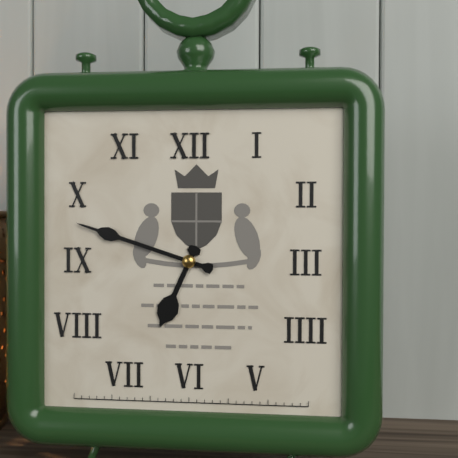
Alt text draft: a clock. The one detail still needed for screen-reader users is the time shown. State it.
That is 6:48
